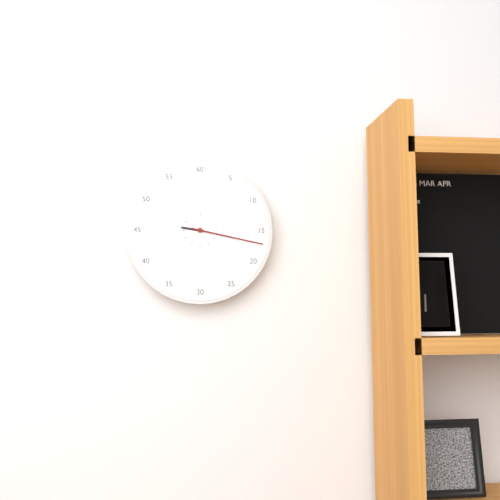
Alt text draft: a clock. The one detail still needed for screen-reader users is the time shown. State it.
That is 9:17
